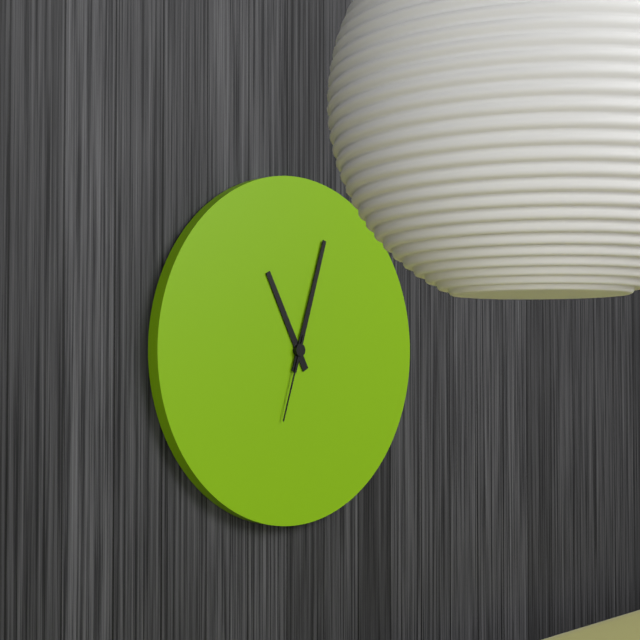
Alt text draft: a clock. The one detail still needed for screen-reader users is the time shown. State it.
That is 11:03:33
